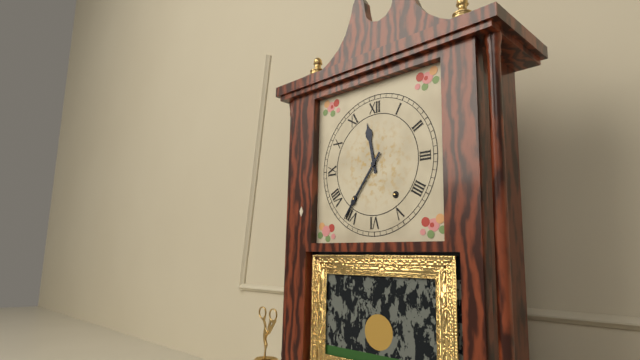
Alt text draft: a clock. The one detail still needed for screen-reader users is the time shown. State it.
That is 11:36
